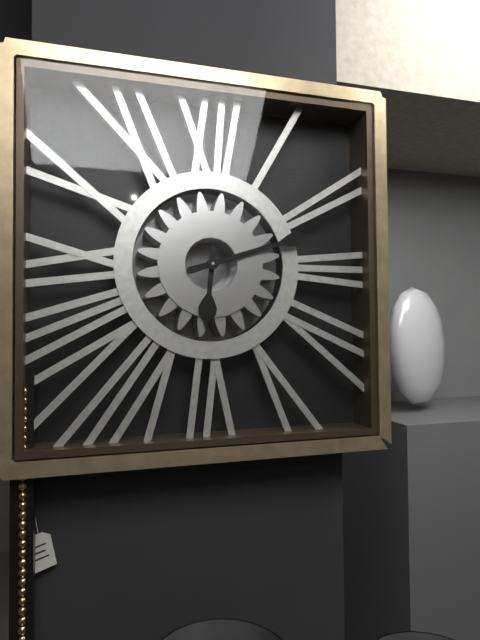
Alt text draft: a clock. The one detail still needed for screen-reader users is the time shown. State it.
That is 6:12
